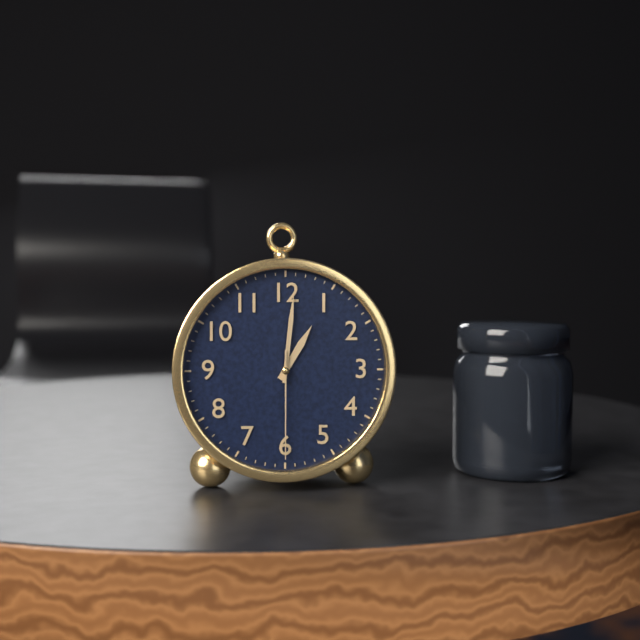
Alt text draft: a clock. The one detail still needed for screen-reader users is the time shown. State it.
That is 1:01:30
